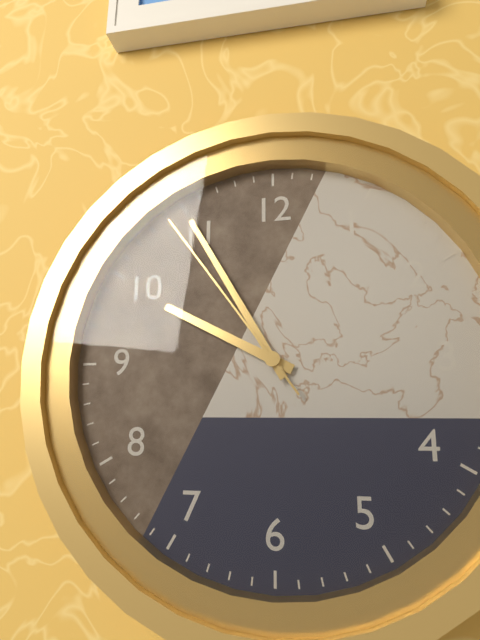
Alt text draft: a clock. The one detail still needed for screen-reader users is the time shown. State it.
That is 9:55:54
